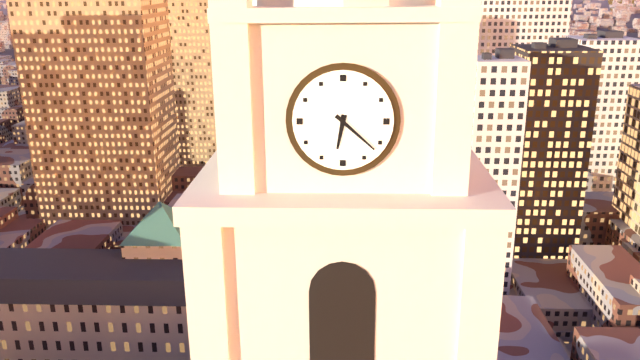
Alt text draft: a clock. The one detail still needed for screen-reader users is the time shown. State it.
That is 6:22
